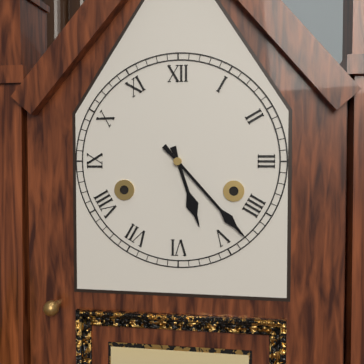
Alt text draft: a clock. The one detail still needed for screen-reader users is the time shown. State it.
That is 5:23
